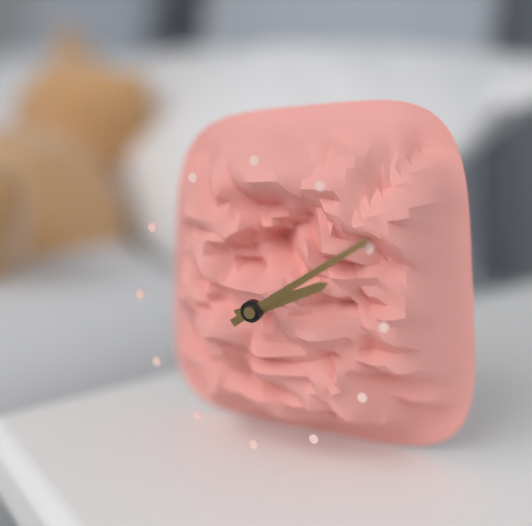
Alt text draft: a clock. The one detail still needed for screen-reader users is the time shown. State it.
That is 2:09
